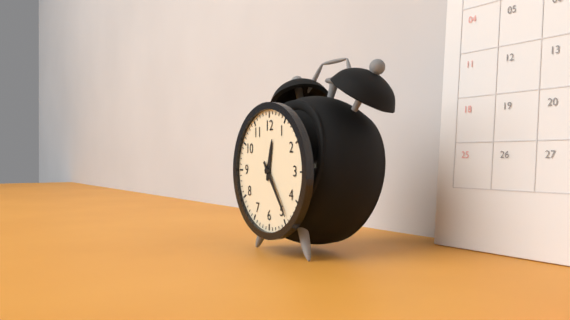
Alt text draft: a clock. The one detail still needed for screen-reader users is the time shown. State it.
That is 12:24
